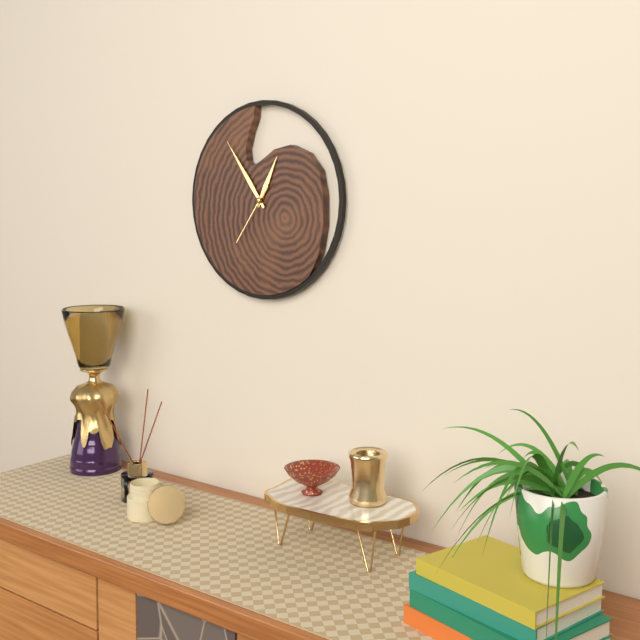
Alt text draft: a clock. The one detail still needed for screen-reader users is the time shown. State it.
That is 12:54:36
